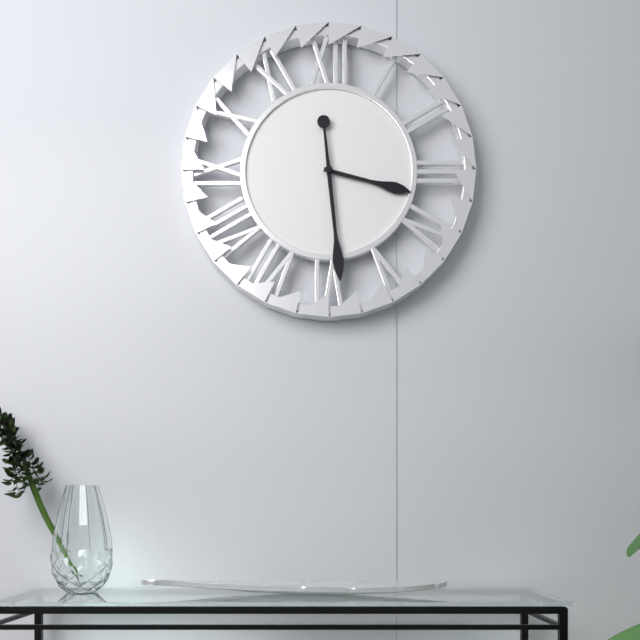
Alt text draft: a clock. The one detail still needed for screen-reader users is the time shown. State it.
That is 3:29
